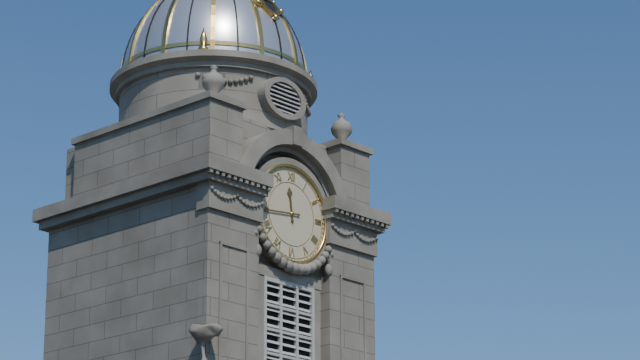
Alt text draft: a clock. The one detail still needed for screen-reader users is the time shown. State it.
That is 11:44
